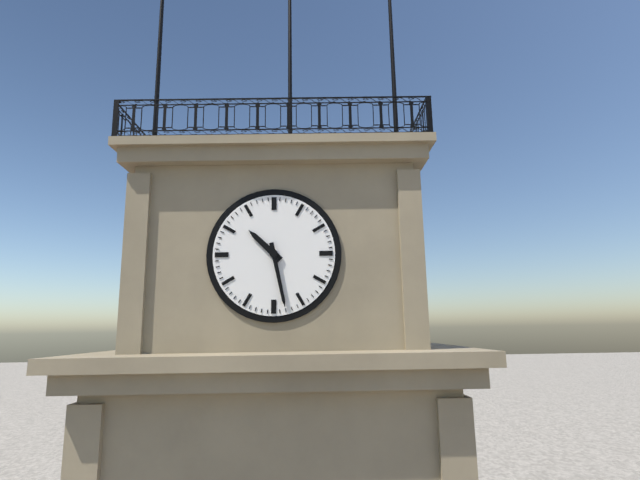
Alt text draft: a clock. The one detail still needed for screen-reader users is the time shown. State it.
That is 10:28
